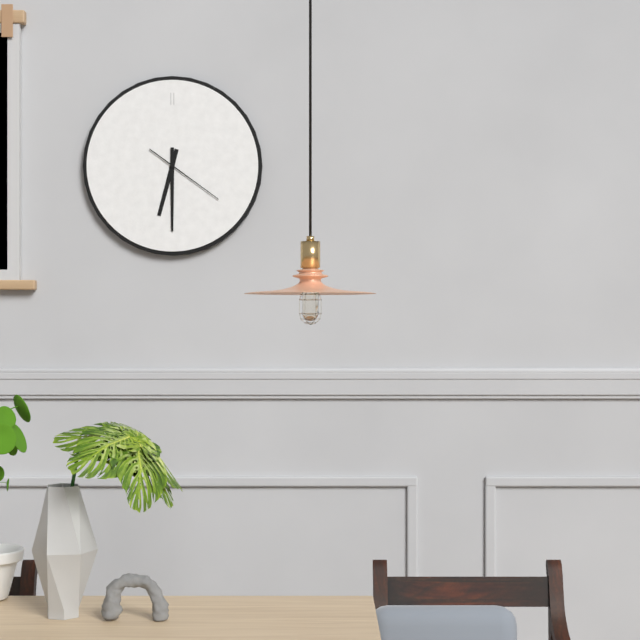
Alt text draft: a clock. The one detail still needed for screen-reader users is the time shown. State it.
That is 6:30:21
